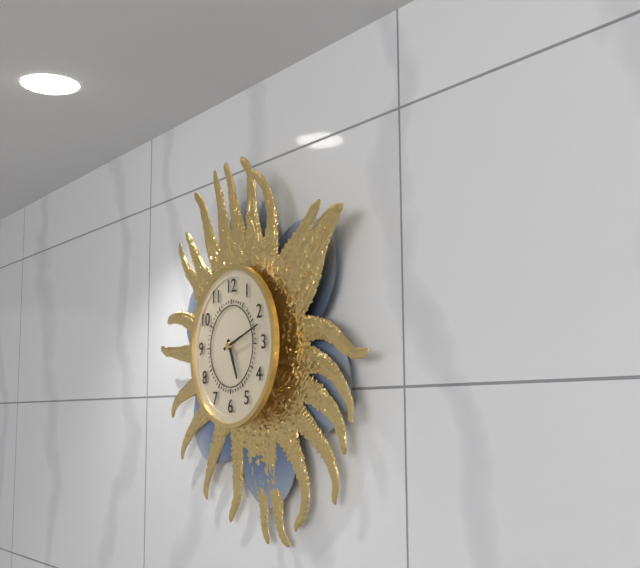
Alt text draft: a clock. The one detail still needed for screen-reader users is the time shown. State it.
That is 5:12
